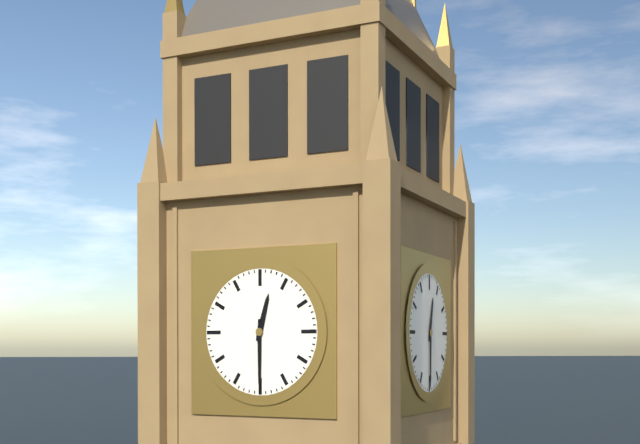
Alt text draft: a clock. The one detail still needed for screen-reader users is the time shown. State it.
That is 12:30
